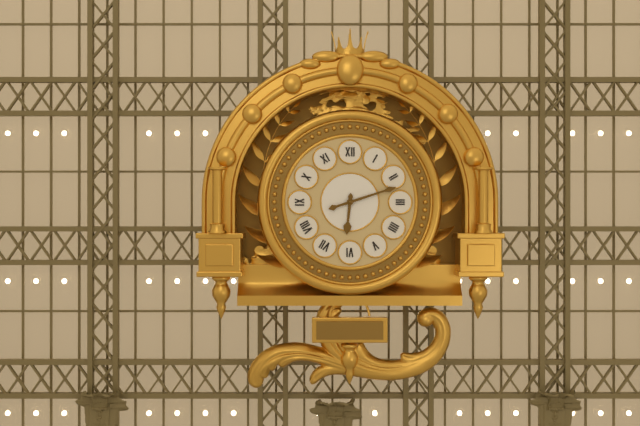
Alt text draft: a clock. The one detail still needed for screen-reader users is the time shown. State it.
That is 6:12
